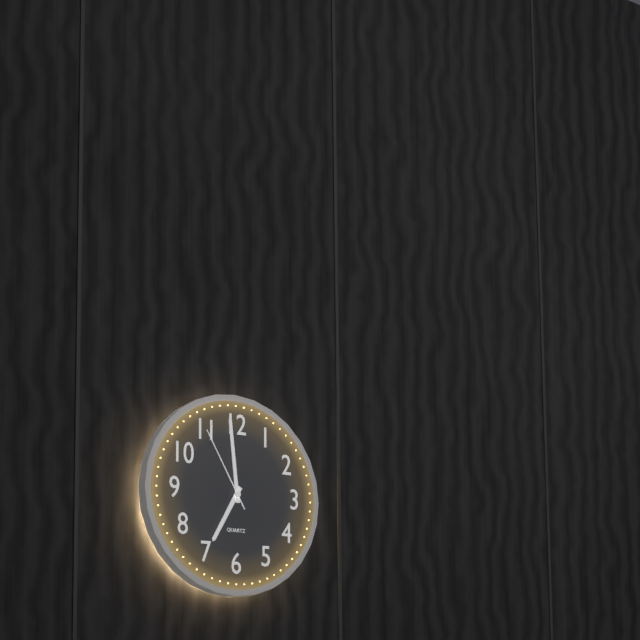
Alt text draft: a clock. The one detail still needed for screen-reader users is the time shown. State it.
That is 6:59:55
